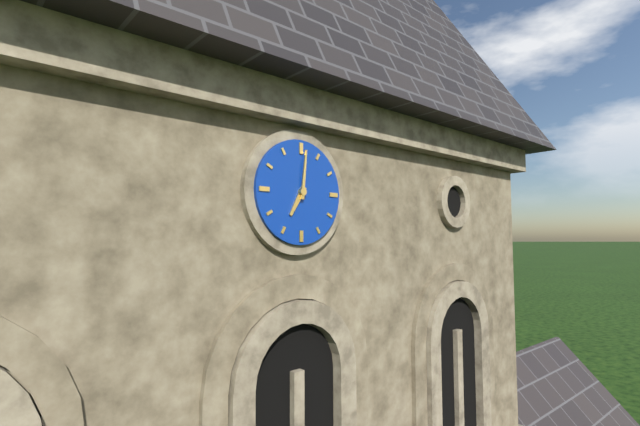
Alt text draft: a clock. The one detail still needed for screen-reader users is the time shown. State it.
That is 7:01
